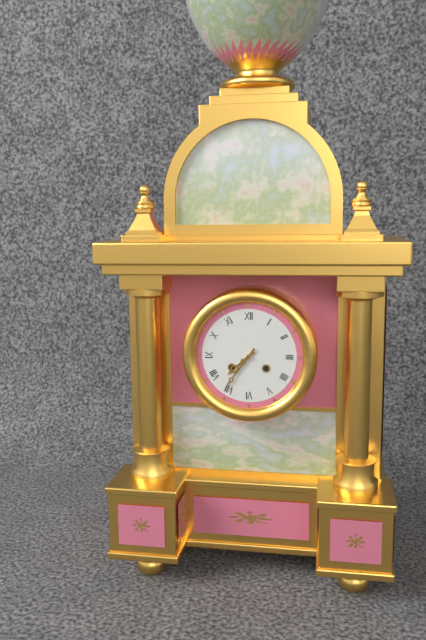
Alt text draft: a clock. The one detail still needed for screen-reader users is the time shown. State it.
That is 7:36
